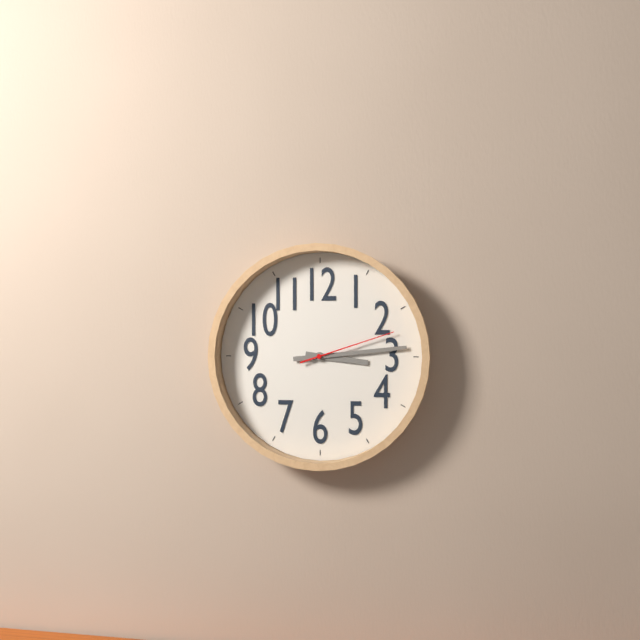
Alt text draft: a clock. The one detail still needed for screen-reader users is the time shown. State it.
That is 3:14:12
